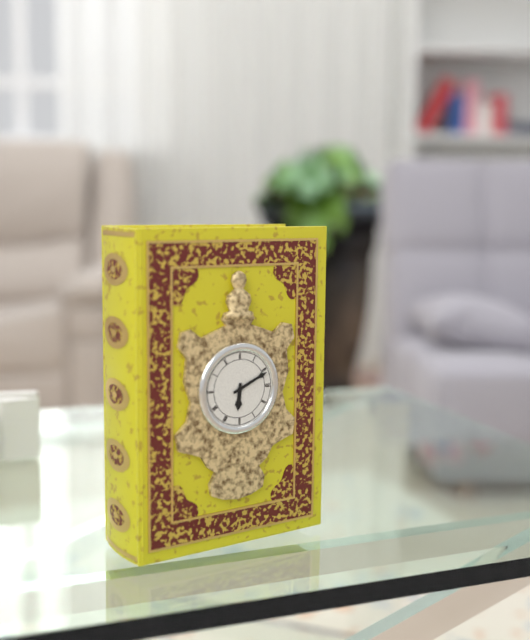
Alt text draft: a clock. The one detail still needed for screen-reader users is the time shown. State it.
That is 6:11
